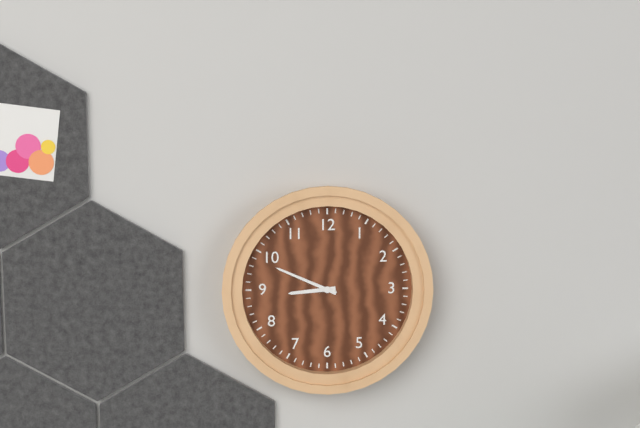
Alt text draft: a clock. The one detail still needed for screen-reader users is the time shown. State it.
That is 8:49
